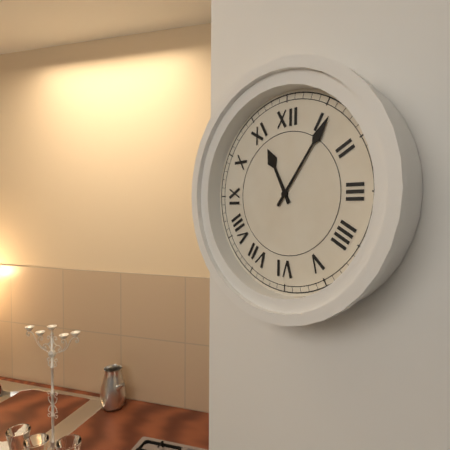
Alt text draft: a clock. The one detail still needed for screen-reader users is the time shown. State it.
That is 11:06
